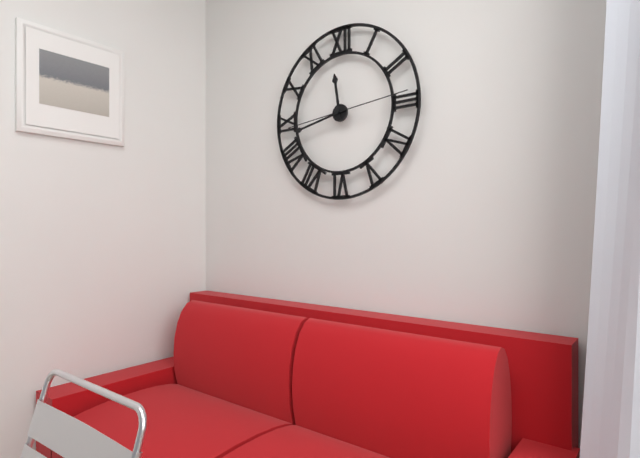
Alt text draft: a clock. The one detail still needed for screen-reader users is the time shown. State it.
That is 11:43:14
